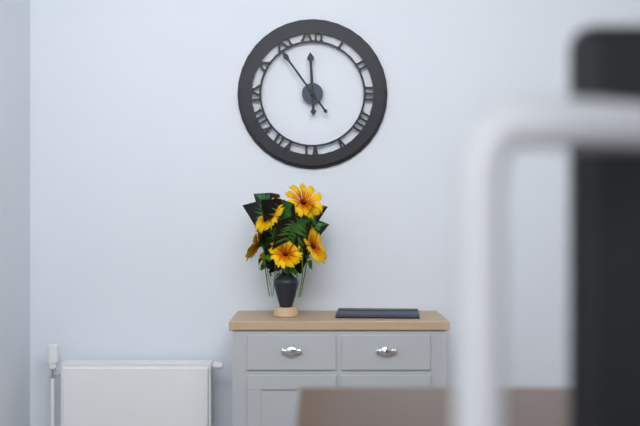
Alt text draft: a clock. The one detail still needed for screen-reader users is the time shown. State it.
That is 11:54
